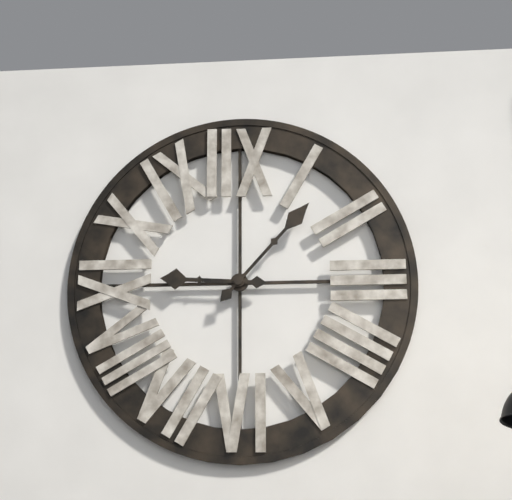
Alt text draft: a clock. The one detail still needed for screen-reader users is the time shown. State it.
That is 9:07
